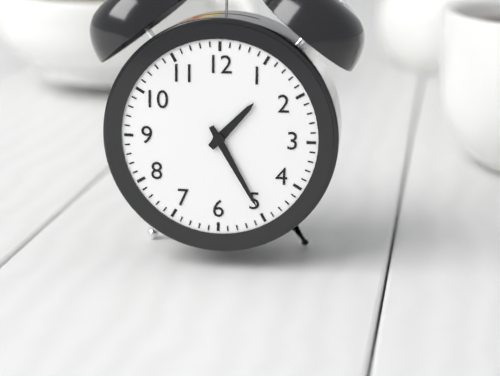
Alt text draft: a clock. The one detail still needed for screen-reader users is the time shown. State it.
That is 1:25
